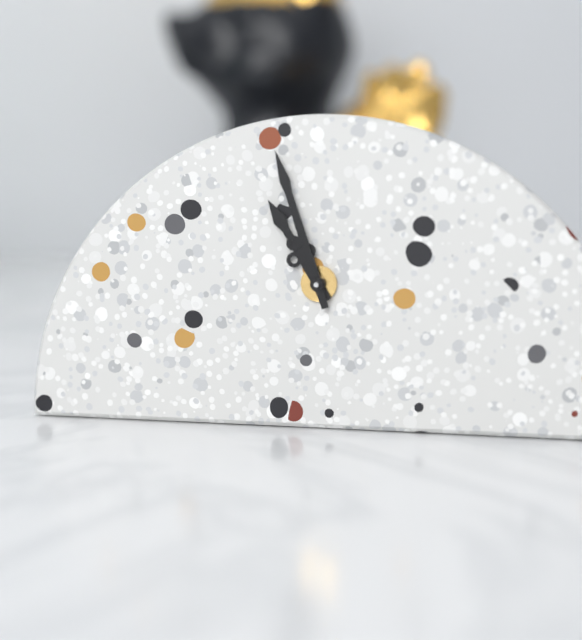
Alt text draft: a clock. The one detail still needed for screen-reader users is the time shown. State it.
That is 10:57
